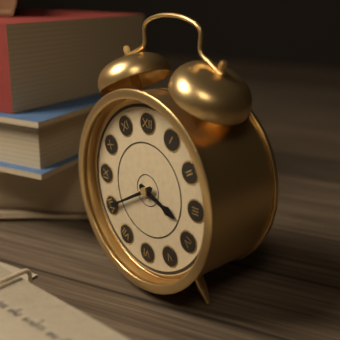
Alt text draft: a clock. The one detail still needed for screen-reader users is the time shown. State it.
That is 3:40
